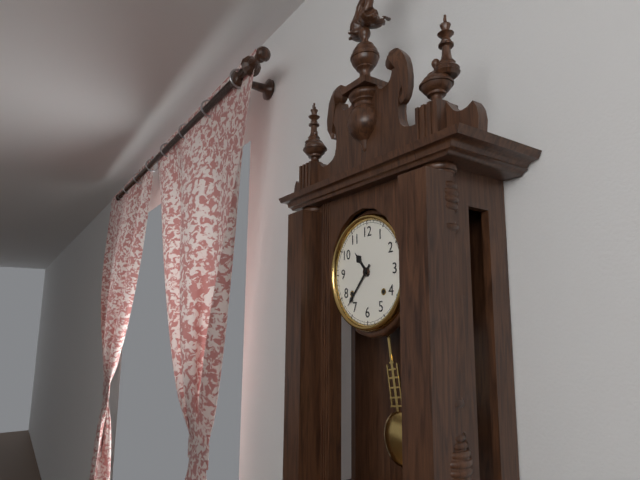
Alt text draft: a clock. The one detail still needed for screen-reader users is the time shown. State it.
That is 10:37
